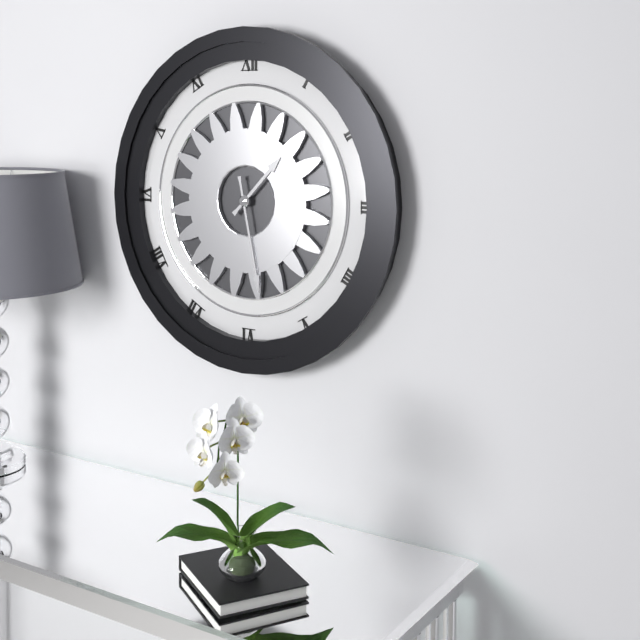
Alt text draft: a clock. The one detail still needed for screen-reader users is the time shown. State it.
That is 1:28
